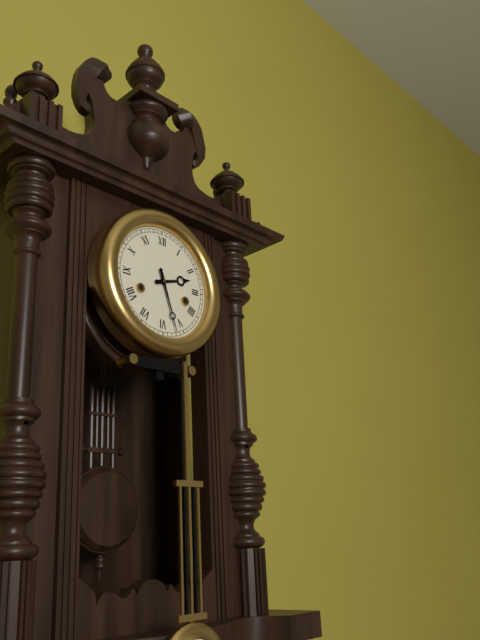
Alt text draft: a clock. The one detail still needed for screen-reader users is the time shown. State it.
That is 2:27
